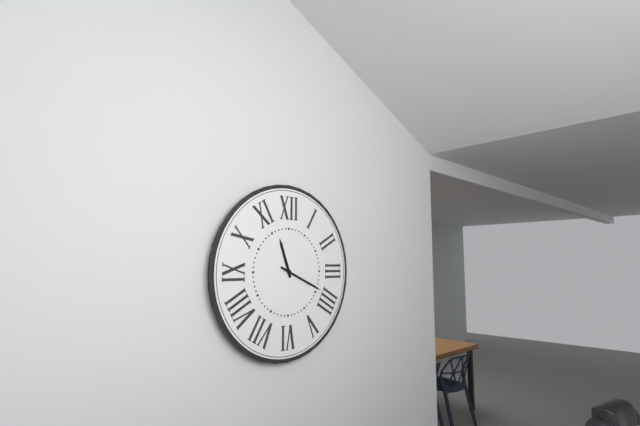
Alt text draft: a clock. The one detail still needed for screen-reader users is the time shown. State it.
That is 11:19
